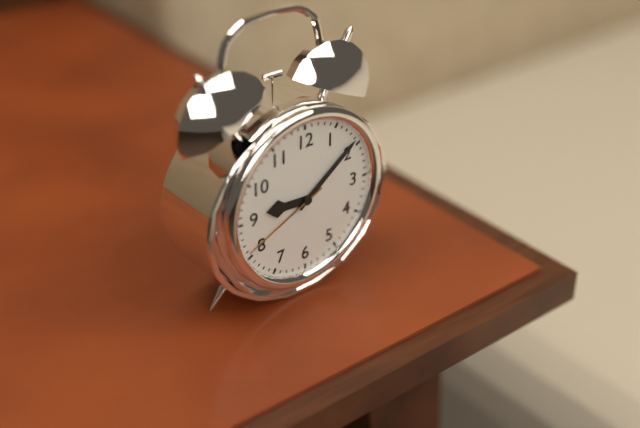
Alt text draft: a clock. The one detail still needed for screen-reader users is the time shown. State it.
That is 9:09:41
